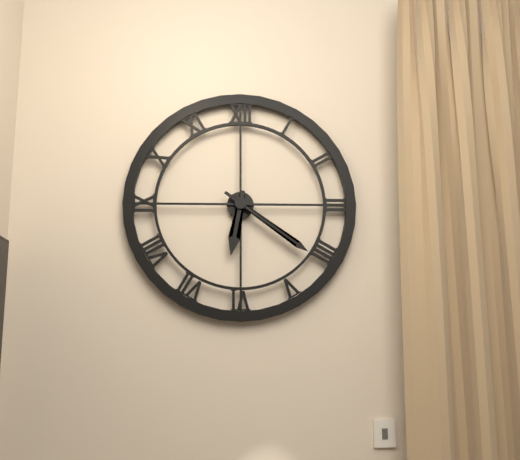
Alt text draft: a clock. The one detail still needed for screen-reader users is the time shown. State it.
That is 6:21
